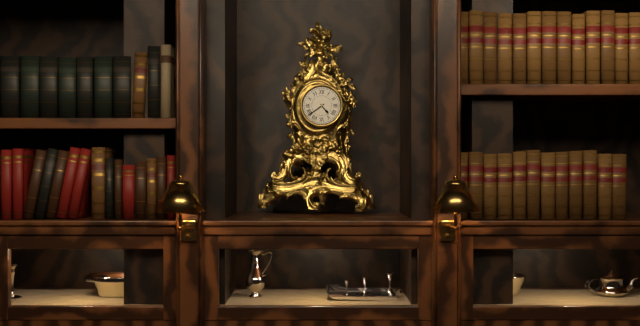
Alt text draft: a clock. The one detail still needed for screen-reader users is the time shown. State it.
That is 4:39
